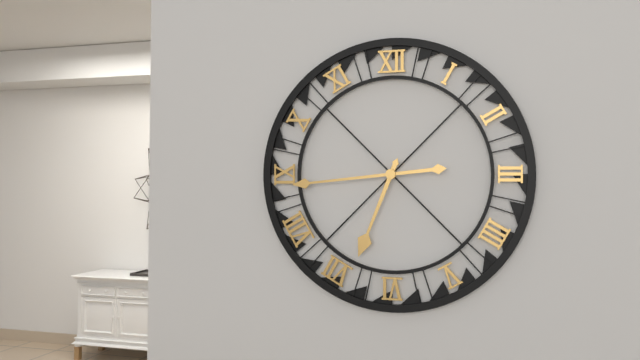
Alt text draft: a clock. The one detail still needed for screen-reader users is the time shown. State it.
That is 6:44
